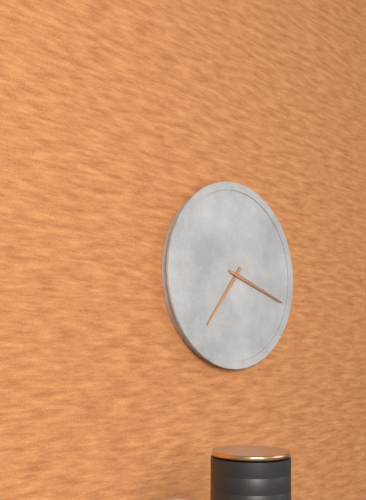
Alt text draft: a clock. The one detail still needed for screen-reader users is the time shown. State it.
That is 7:18
